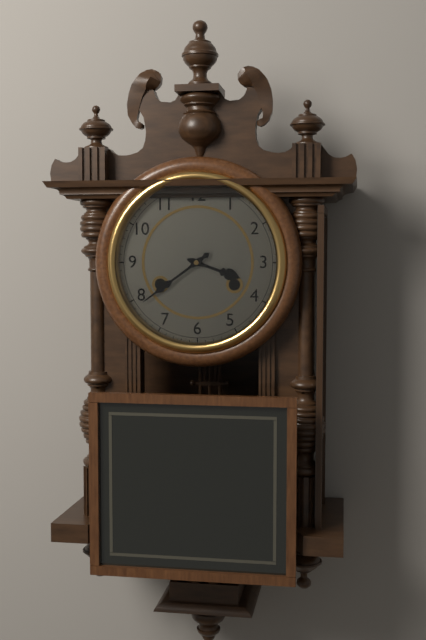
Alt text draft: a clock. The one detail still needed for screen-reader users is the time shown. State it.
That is 3:39
